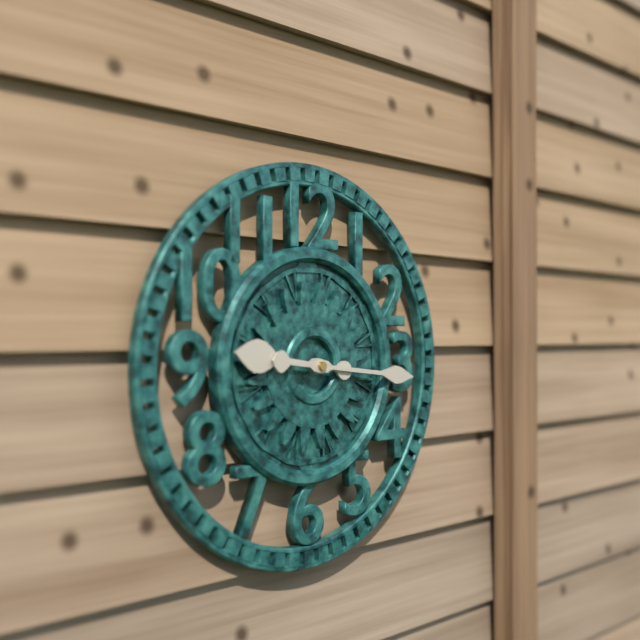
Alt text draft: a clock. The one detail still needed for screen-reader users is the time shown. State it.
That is 9:16
